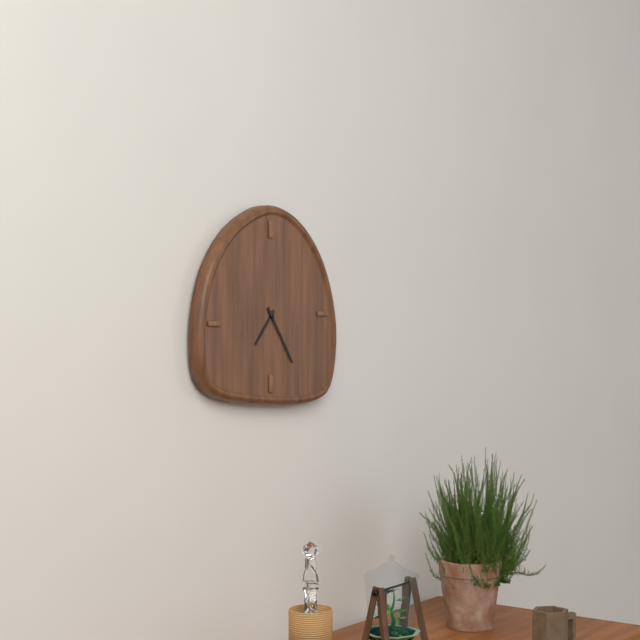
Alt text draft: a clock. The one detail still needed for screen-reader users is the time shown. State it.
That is 7:24
